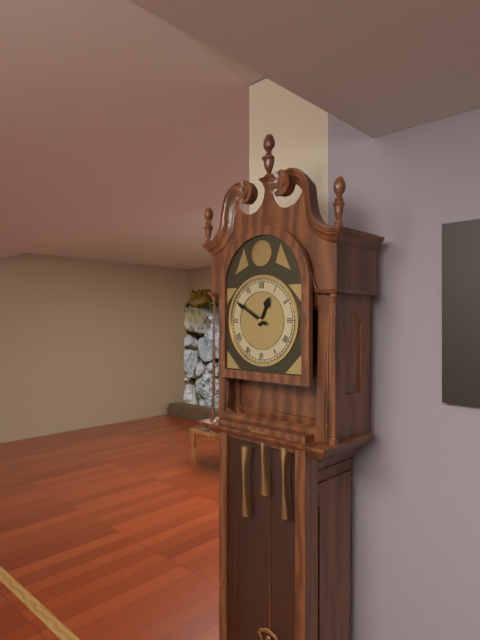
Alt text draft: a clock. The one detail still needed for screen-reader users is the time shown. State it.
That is 12:50
